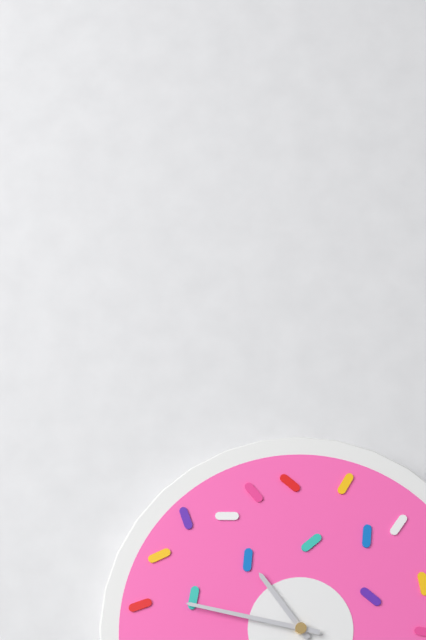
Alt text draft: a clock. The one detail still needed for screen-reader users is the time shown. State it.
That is 10:47
